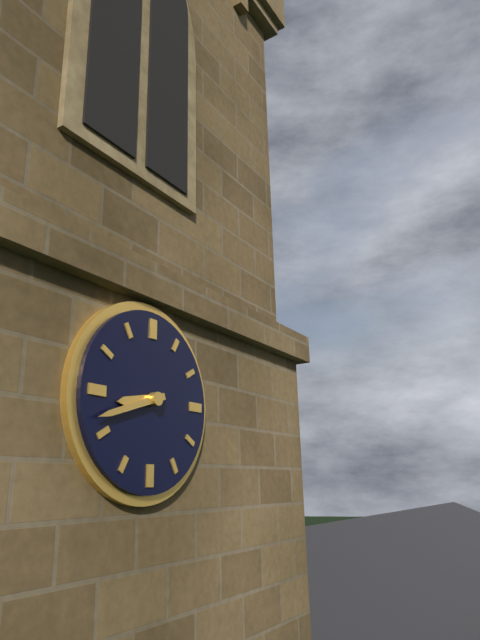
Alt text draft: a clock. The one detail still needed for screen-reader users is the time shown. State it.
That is 8:42
